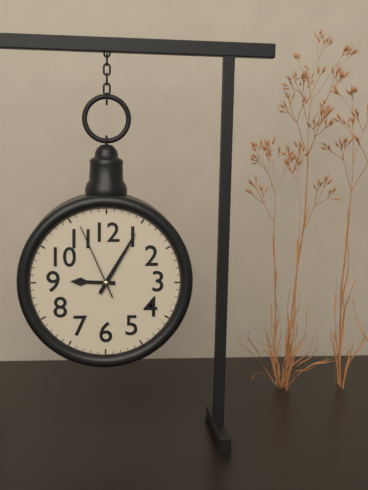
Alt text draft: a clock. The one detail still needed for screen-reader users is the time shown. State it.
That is 9:05:56
